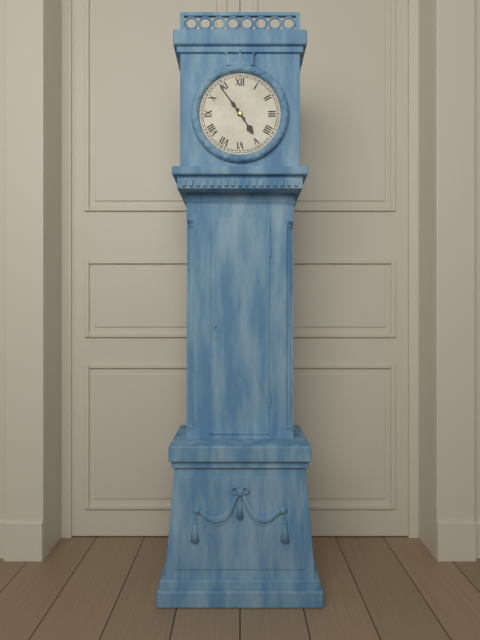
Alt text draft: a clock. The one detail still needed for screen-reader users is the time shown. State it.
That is 4:54
